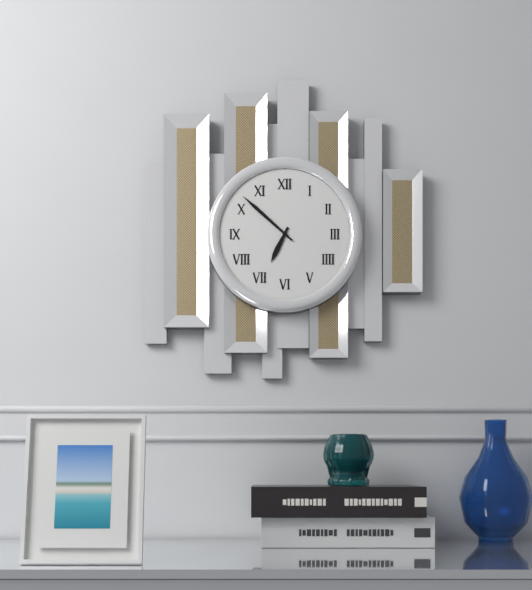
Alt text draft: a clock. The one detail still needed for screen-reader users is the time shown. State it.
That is 6:52
